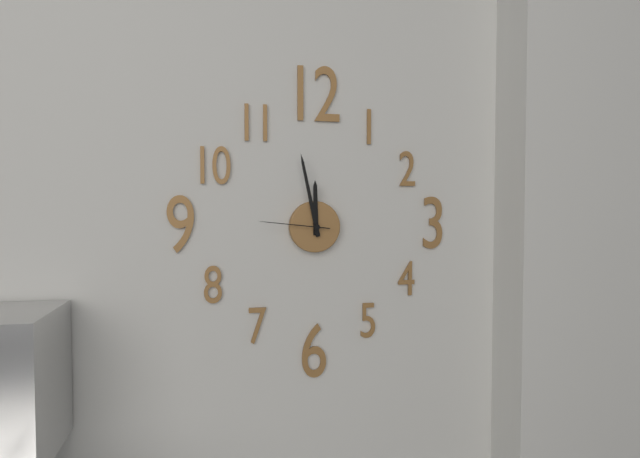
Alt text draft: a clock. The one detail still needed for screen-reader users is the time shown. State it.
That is 11:58:46
